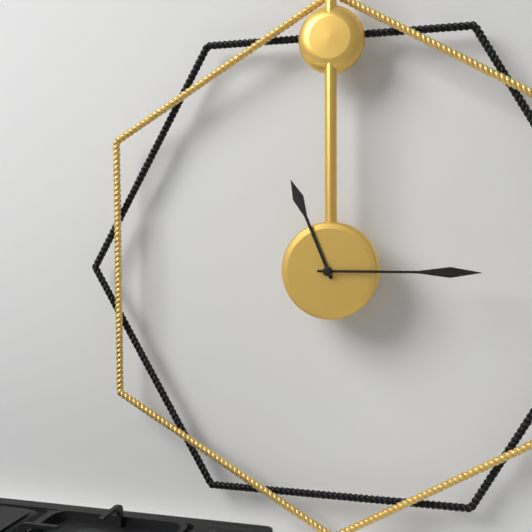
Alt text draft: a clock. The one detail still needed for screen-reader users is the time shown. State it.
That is 11:15
